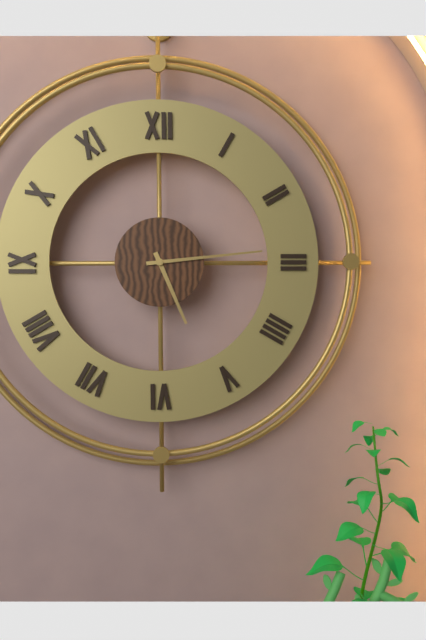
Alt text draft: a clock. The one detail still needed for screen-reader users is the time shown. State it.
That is 5:14
